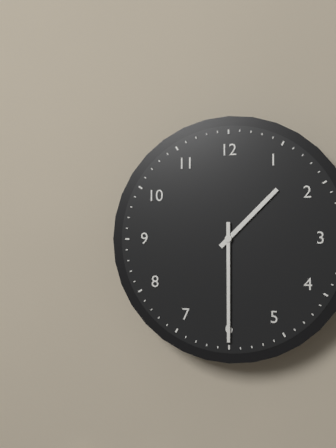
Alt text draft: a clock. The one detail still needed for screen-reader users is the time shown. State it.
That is 1:30
